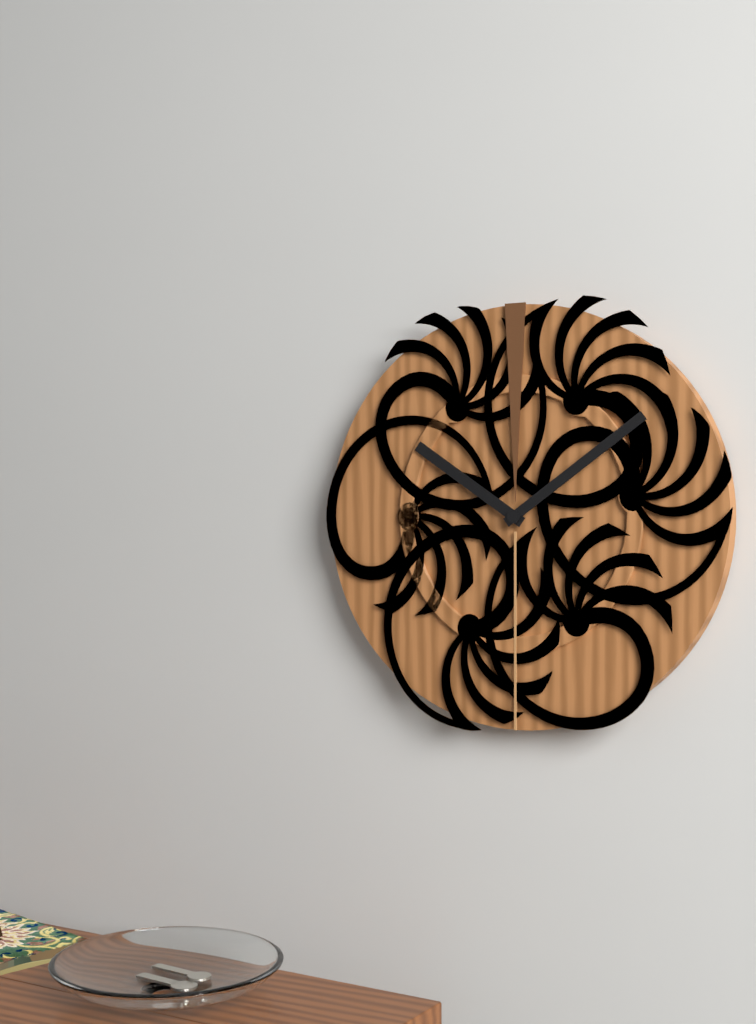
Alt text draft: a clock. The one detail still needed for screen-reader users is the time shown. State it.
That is 10:09
